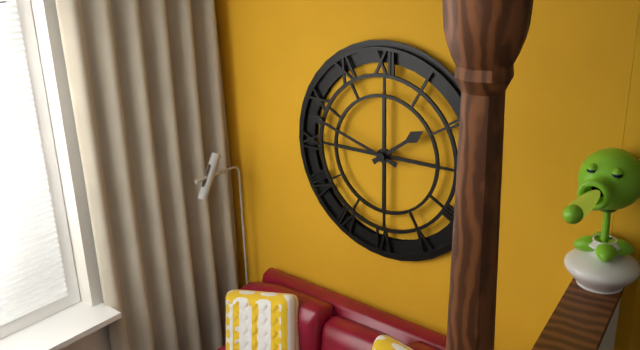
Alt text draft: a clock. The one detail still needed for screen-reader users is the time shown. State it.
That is 1:48
